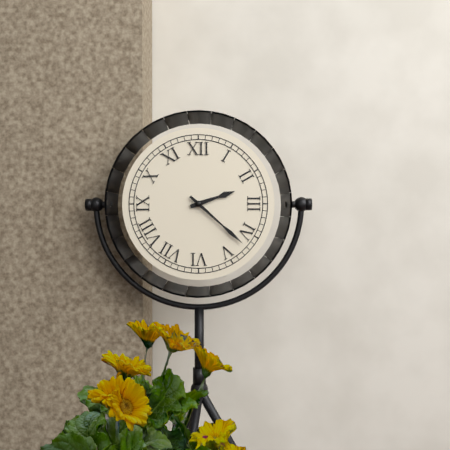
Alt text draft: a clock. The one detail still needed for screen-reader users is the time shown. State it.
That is 2:22
